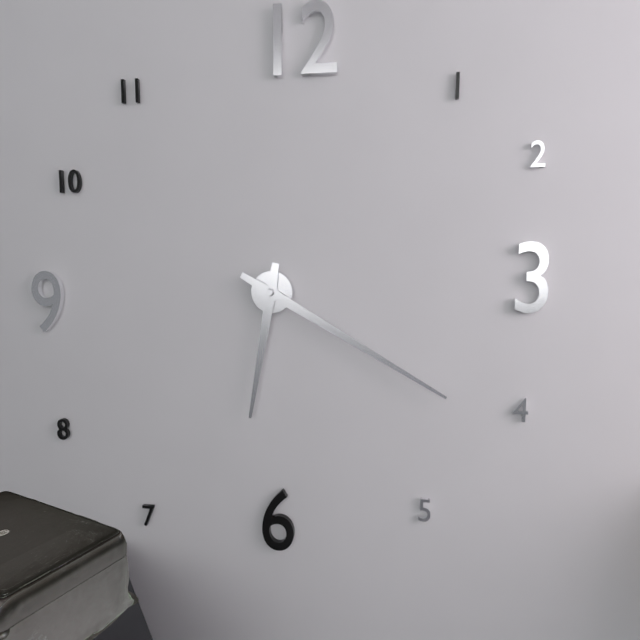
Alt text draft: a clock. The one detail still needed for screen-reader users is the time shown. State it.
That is 6:20
